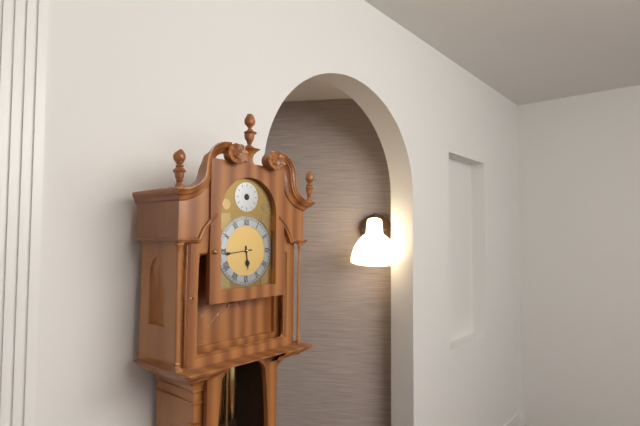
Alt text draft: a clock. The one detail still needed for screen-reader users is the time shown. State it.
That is 5:44
